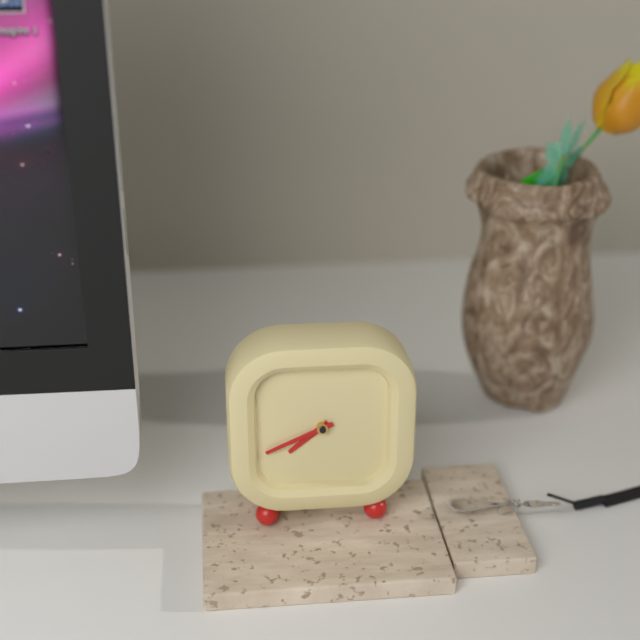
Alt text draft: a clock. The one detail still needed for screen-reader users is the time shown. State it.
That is 7:41
